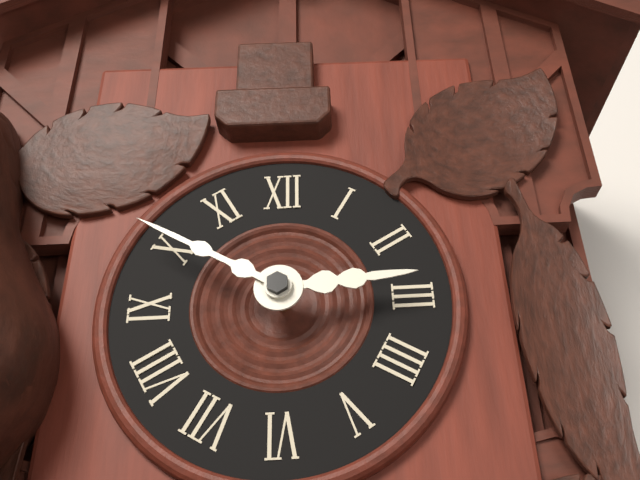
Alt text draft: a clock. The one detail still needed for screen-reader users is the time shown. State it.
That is 2:50
